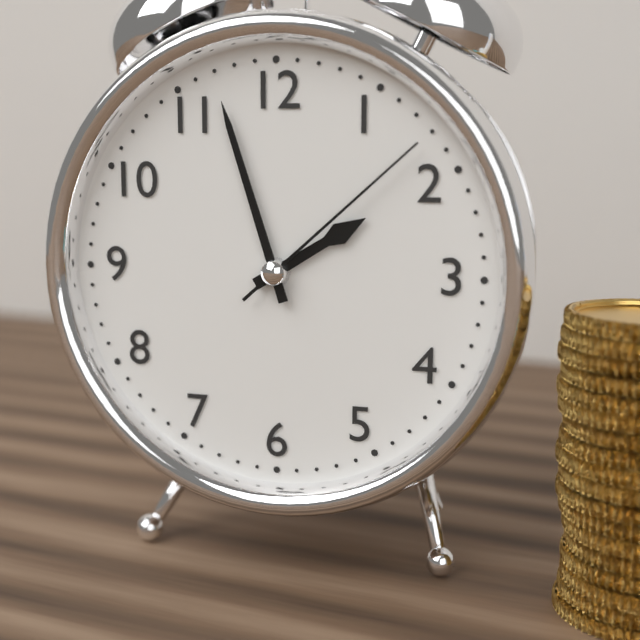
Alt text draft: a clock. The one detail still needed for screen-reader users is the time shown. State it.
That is 1:57:08
